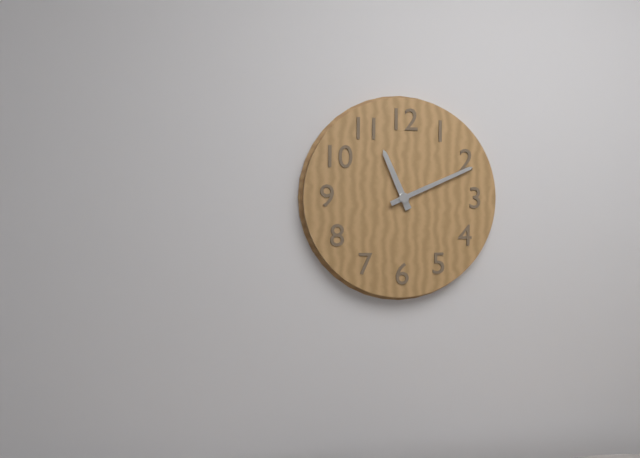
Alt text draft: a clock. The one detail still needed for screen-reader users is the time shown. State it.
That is 11:11
